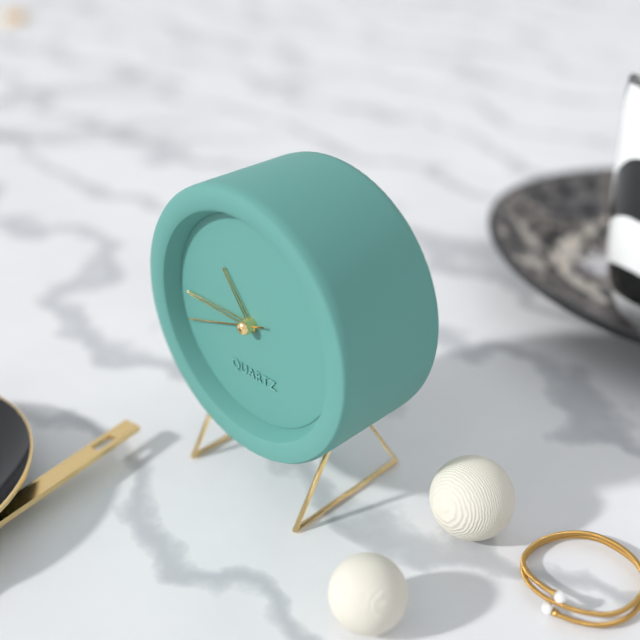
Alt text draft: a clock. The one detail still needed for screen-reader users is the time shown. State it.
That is 10:45:42
